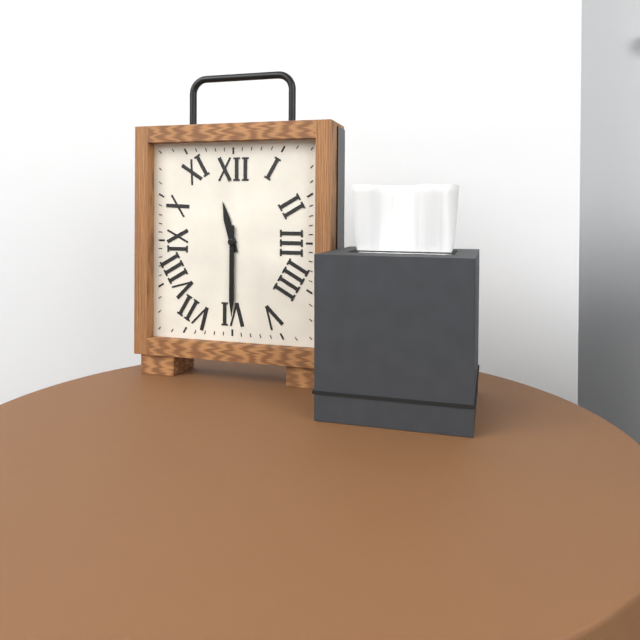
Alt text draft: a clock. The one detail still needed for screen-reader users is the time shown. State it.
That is 11:30
